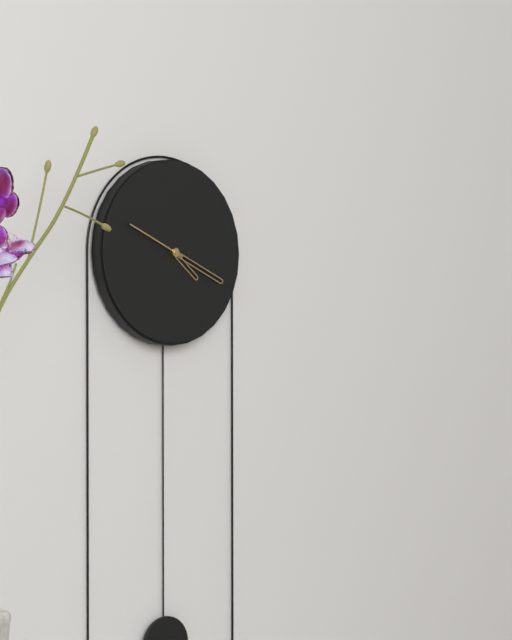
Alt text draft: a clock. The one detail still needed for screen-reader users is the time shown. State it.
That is 4:19:49
